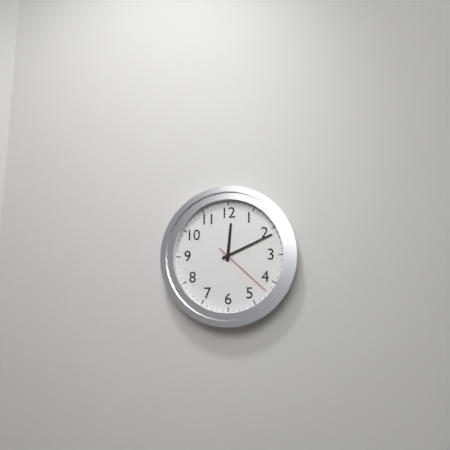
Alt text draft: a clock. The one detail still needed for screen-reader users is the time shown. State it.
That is 12:11:22
